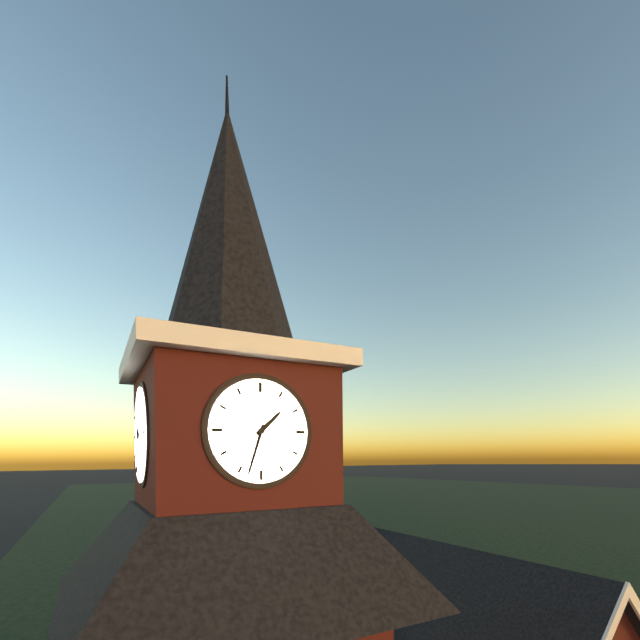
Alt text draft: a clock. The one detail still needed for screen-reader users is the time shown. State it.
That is 1:33
